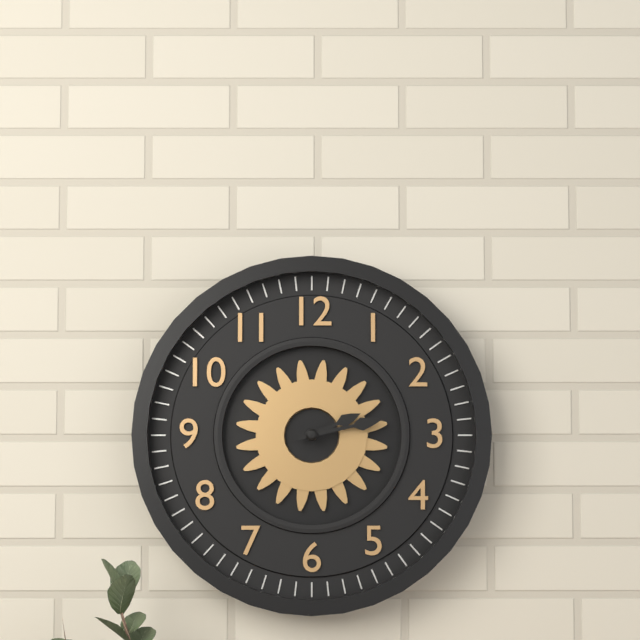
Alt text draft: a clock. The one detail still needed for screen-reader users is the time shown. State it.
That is 2:13
